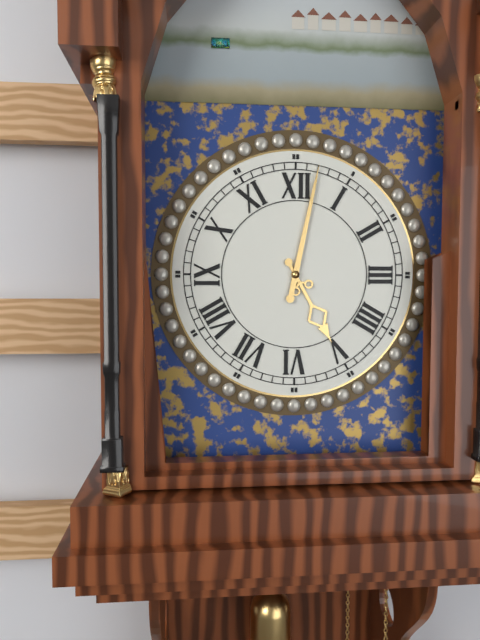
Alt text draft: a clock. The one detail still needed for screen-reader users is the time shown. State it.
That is 5:02
